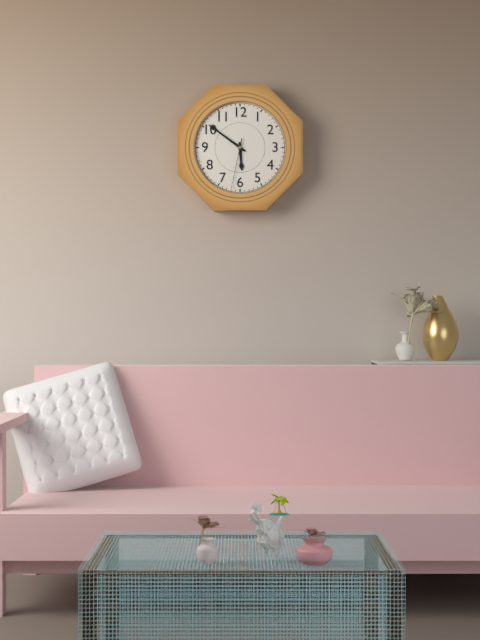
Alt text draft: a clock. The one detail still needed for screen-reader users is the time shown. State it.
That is 5:51:32
